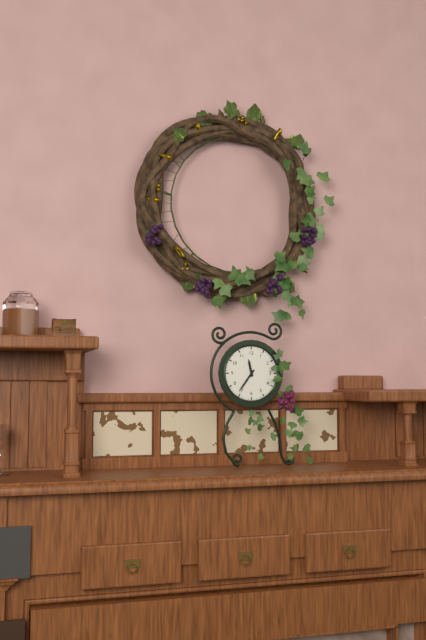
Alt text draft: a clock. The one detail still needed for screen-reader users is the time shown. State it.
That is 11:36
